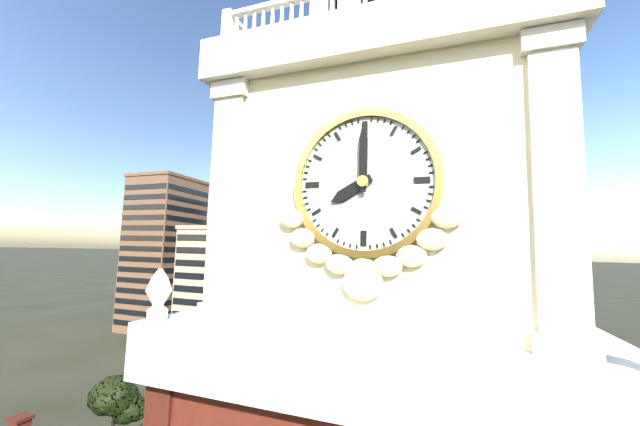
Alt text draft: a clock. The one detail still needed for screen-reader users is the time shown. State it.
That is 8:00
